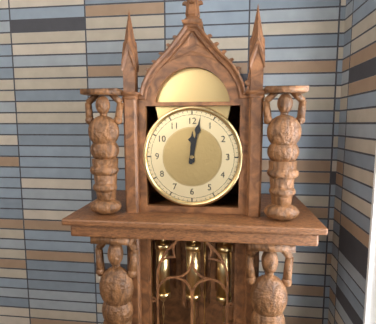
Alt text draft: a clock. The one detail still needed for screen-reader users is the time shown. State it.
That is 12:02
